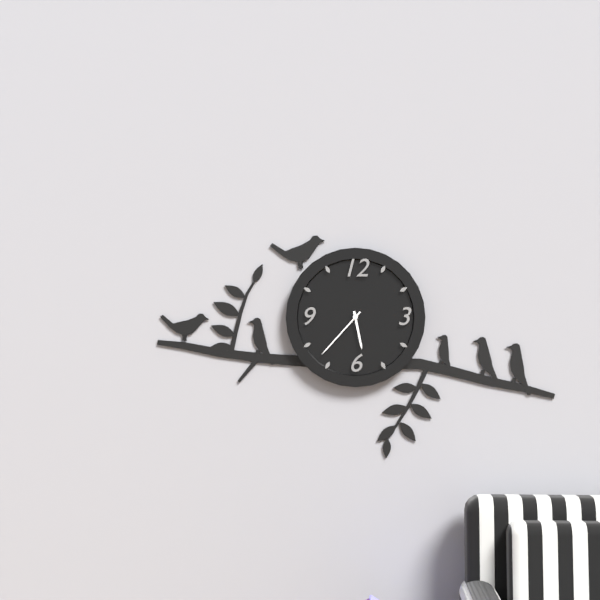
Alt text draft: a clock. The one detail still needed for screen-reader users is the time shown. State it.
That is 5:37
